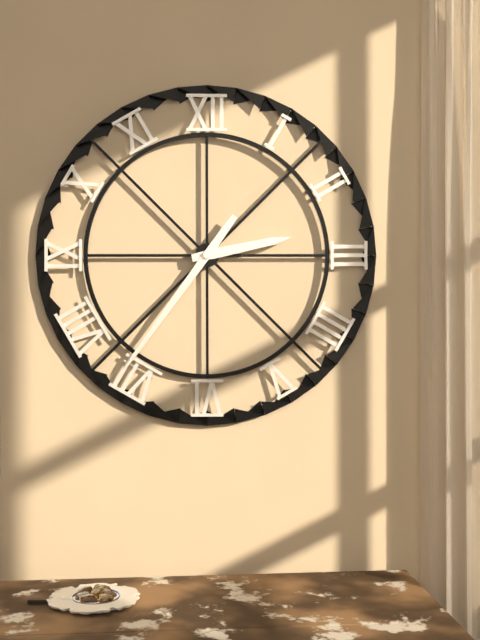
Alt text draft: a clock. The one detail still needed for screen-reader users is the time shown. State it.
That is 2:36
